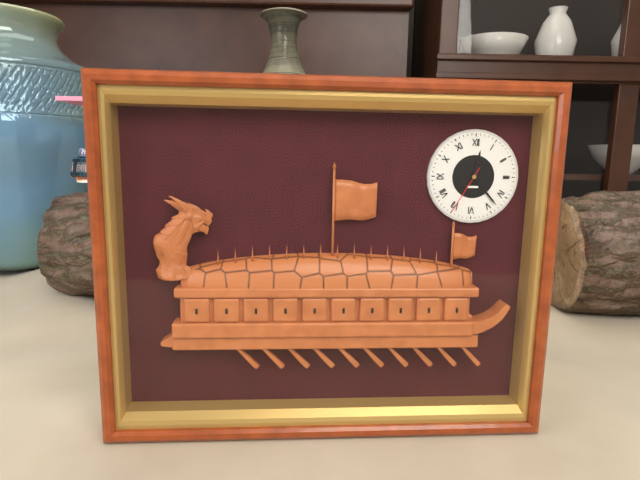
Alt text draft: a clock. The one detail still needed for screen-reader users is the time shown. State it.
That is 12:23:35
